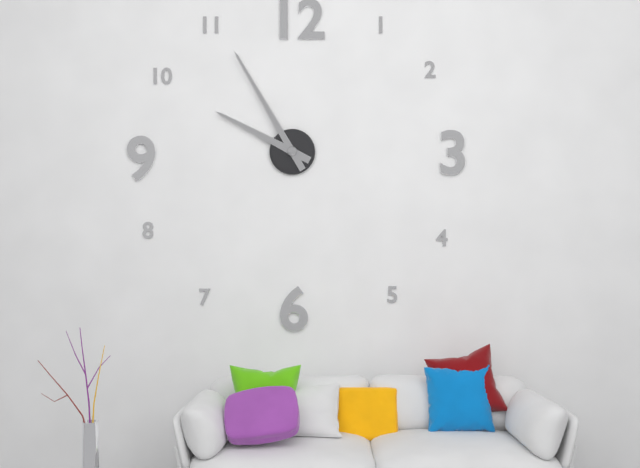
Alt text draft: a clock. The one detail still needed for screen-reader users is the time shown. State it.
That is 9:55
